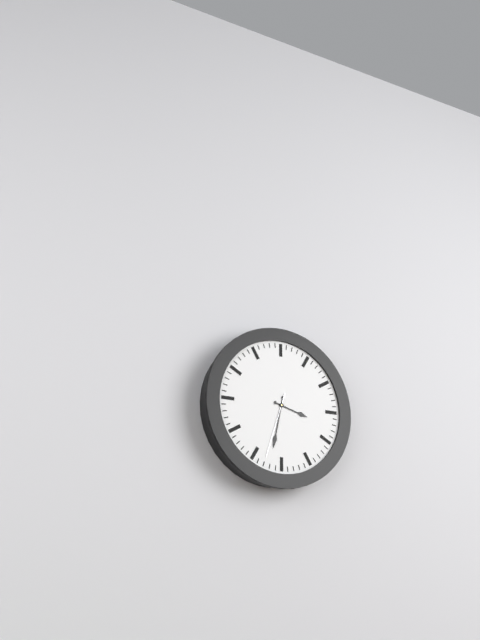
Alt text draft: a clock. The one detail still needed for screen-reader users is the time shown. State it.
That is 3:32:33
